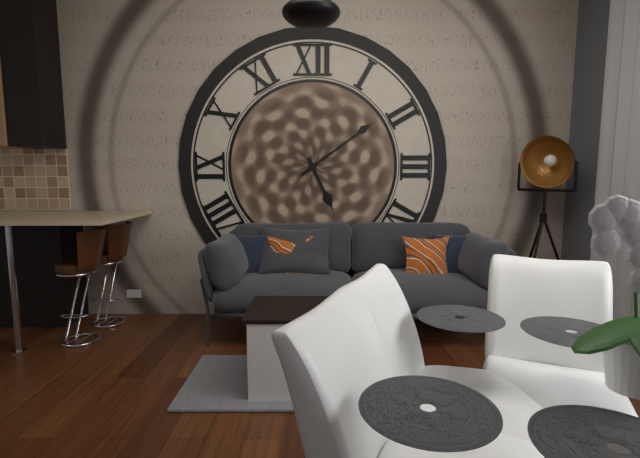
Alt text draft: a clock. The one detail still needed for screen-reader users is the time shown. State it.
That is 5:09
